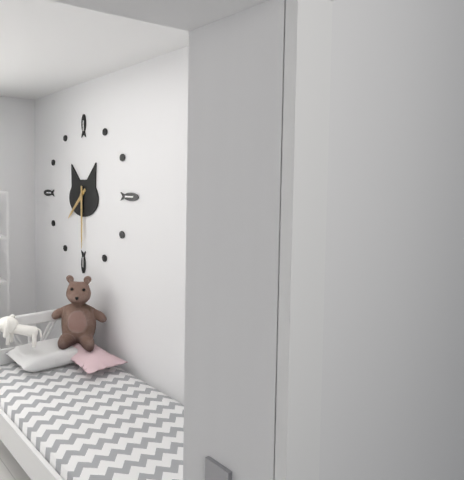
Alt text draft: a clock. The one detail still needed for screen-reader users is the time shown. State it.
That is 7:30
